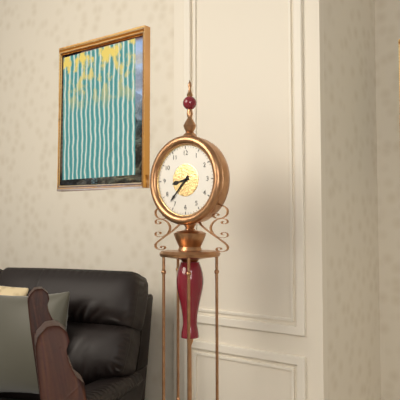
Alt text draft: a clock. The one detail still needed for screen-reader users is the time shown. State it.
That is 8:37
